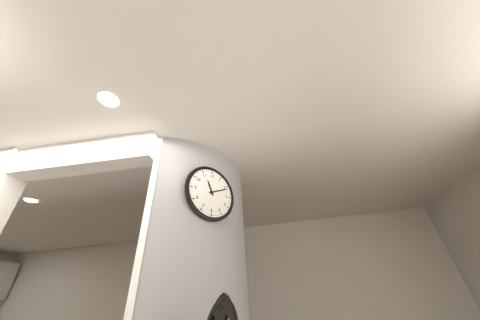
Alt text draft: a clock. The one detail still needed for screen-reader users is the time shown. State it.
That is 11:11
